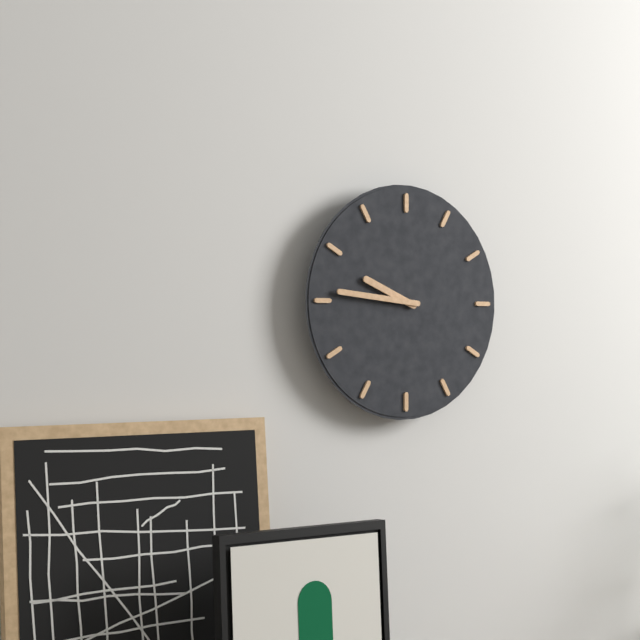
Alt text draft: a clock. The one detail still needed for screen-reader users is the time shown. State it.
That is 9:46
